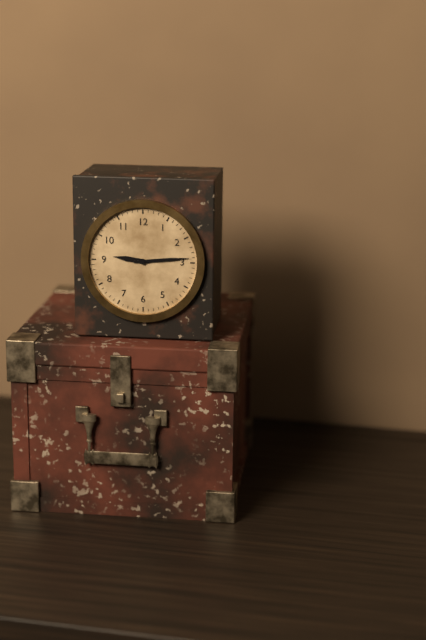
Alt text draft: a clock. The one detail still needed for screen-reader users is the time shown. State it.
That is 9:14
